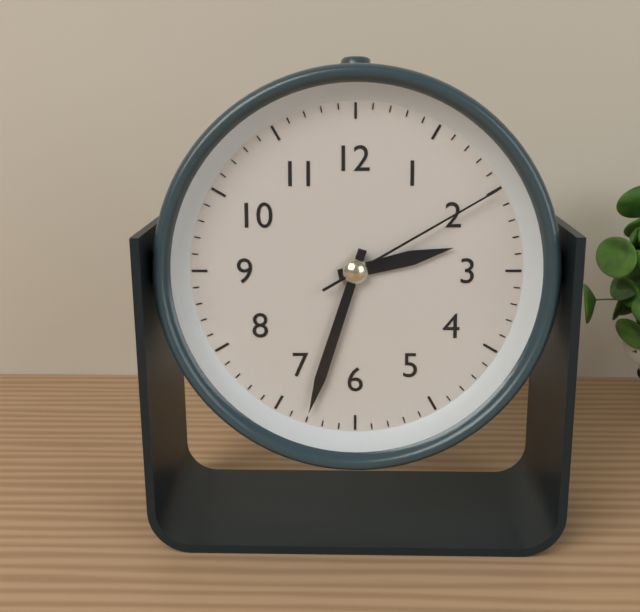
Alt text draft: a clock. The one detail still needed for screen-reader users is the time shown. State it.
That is 2:33:10
